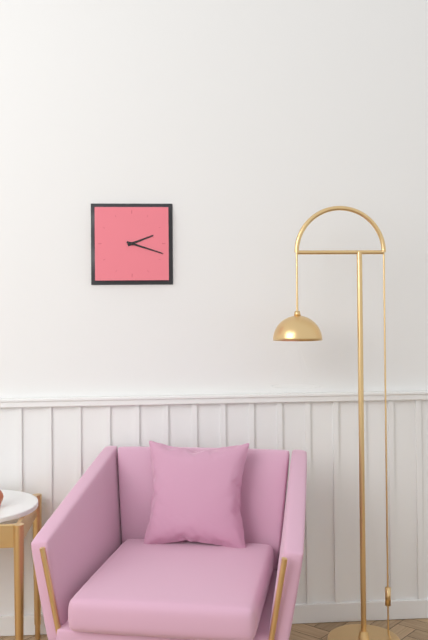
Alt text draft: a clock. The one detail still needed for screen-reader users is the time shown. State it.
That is 2:18
